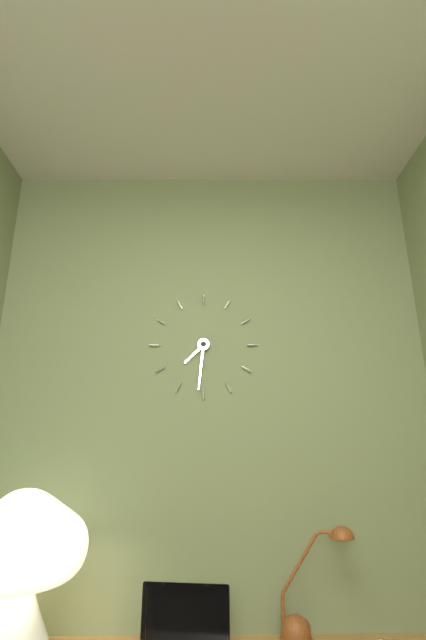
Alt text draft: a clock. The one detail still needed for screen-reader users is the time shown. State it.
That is 7:31
